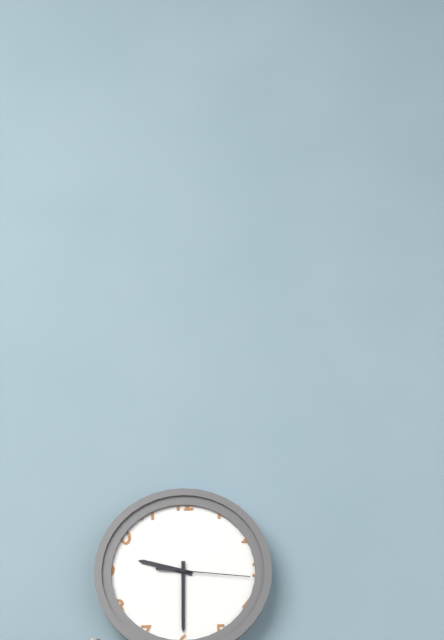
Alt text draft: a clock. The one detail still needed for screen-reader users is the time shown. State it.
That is 9:30:16
